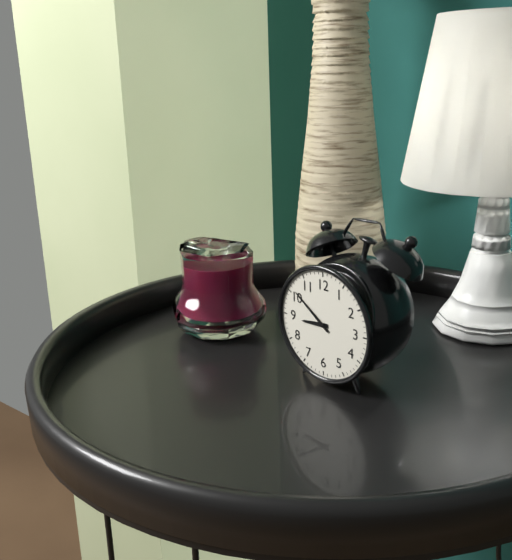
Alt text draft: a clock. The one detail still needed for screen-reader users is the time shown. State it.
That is 8:51
